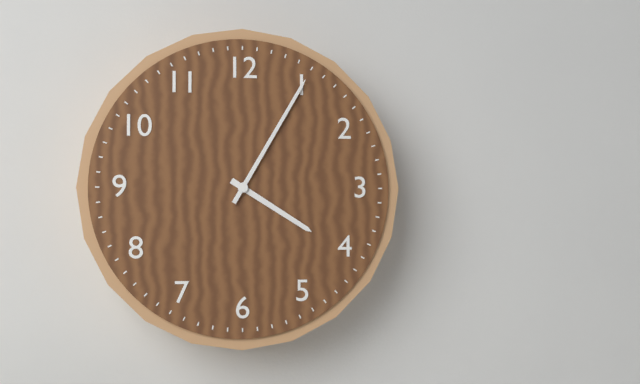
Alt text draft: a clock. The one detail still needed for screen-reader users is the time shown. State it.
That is 4:05
